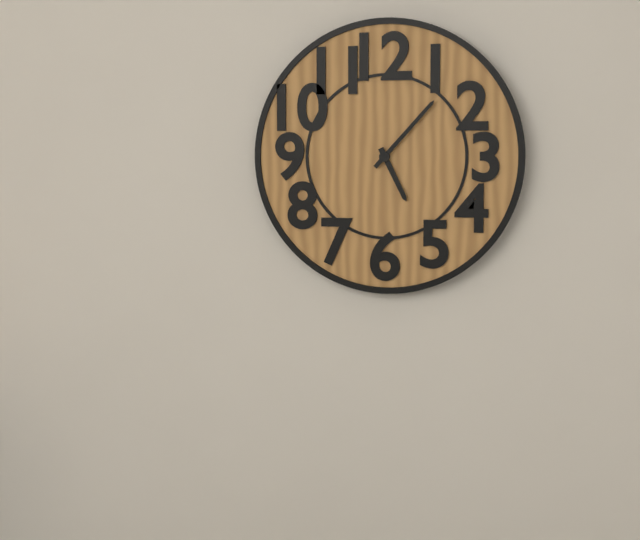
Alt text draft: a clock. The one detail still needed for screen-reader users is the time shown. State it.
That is 5:07
